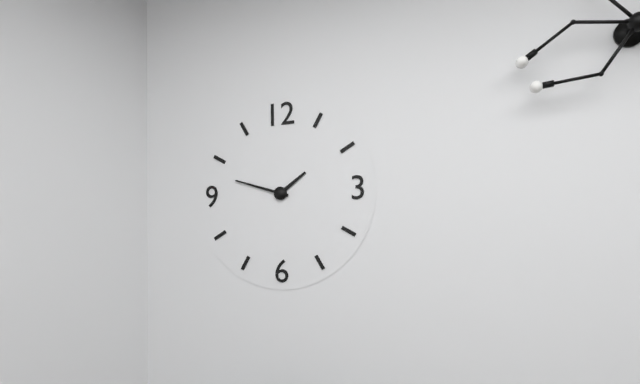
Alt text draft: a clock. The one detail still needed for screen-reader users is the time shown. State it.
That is 1:48
